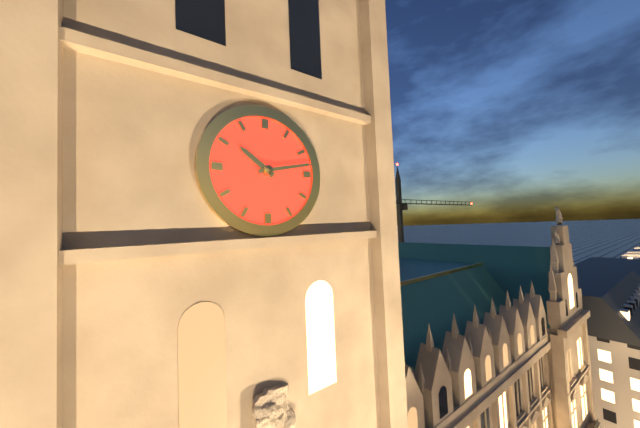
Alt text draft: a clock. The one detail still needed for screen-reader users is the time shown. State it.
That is 10:13
